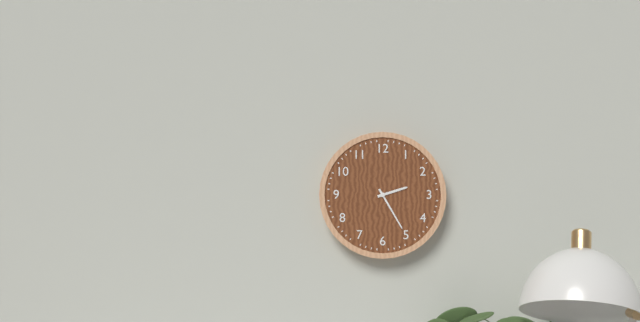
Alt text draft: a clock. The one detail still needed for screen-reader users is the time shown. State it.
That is 2:25
